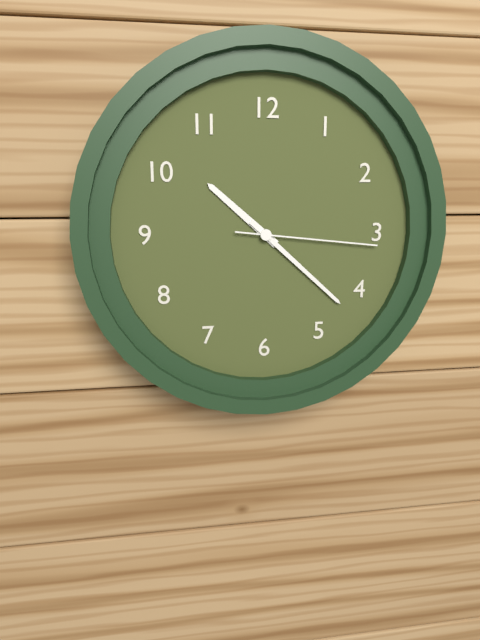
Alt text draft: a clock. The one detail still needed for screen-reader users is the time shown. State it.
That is 10:22:16
